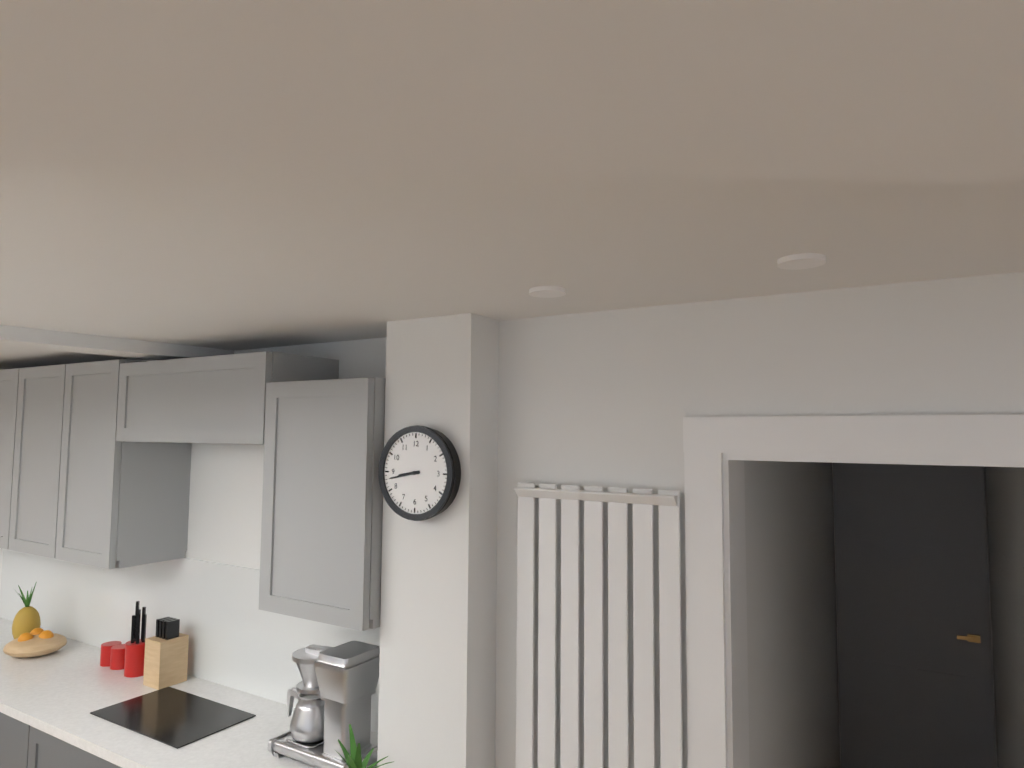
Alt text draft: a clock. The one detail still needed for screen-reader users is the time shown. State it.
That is 8:43
